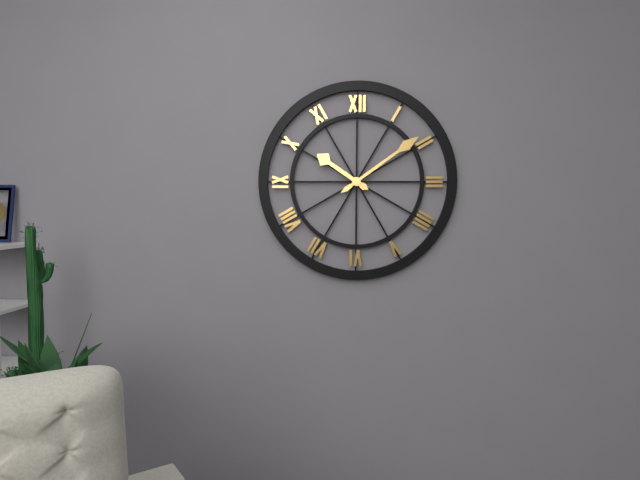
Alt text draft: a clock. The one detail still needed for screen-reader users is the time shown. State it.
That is 10:09
